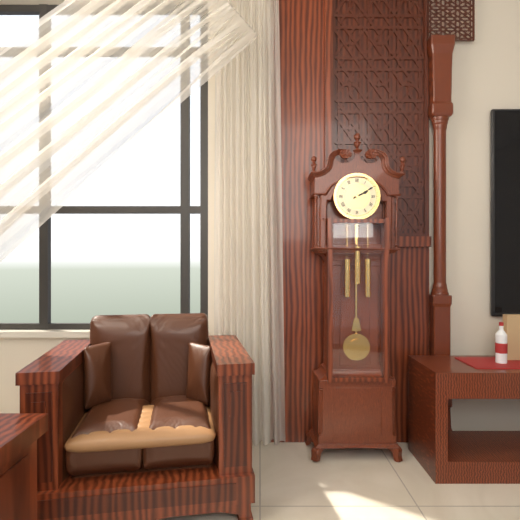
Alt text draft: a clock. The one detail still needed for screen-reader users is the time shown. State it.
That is 2:10
